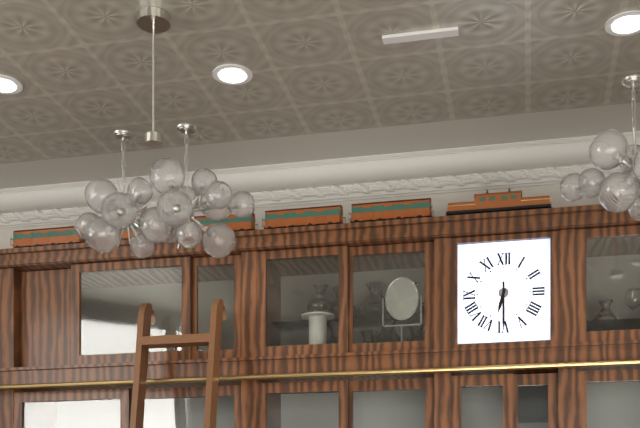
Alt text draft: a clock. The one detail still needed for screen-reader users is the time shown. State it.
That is 6:30
